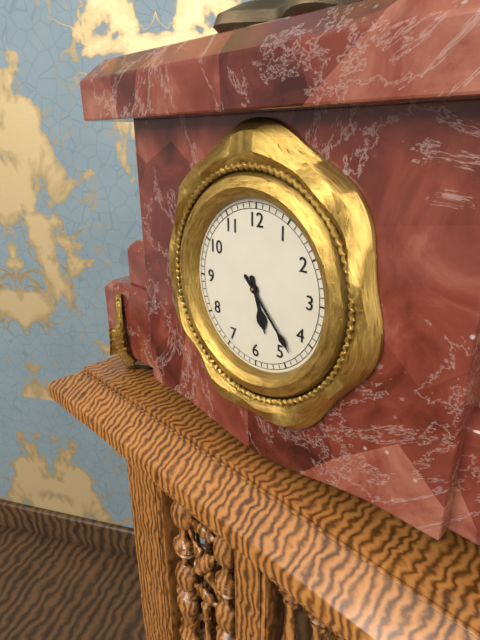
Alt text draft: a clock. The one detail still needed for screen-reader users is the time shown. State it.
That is 5:23
